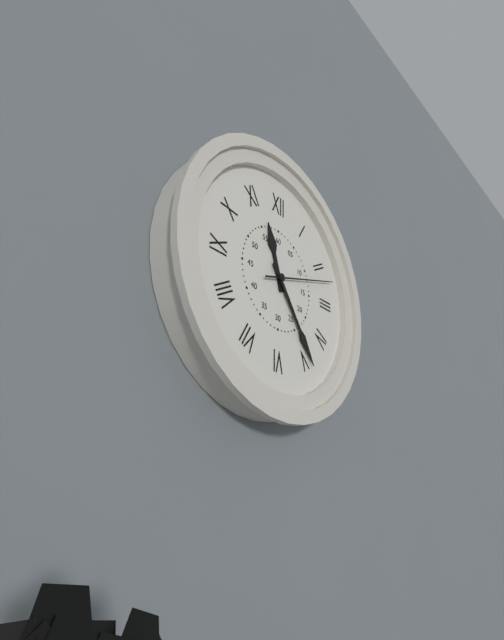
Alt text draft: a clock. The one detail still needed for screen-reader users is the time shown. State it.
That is 11:24:12
